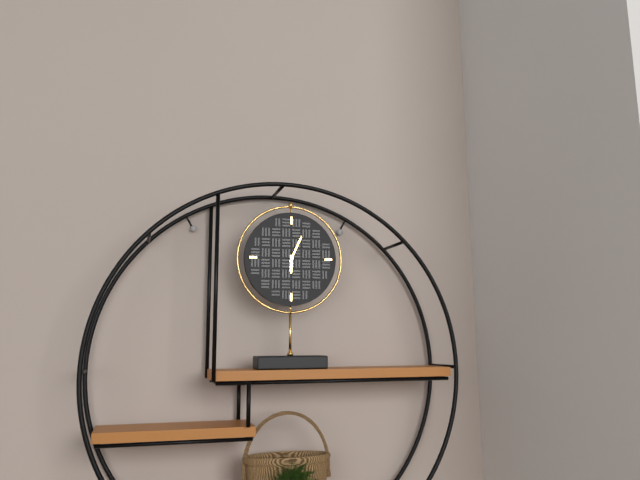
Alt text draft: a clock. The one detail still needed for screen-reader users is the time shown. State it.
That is 6:04
